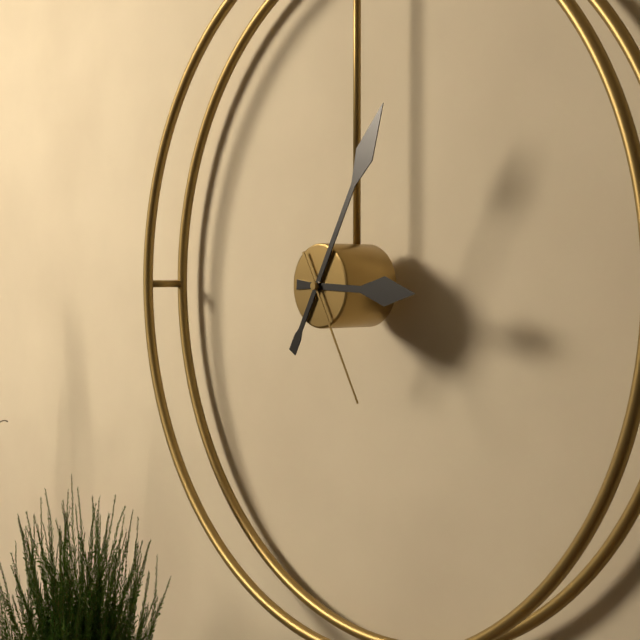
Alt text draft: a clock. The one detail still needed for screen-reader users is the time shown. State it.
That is 3:05:25
